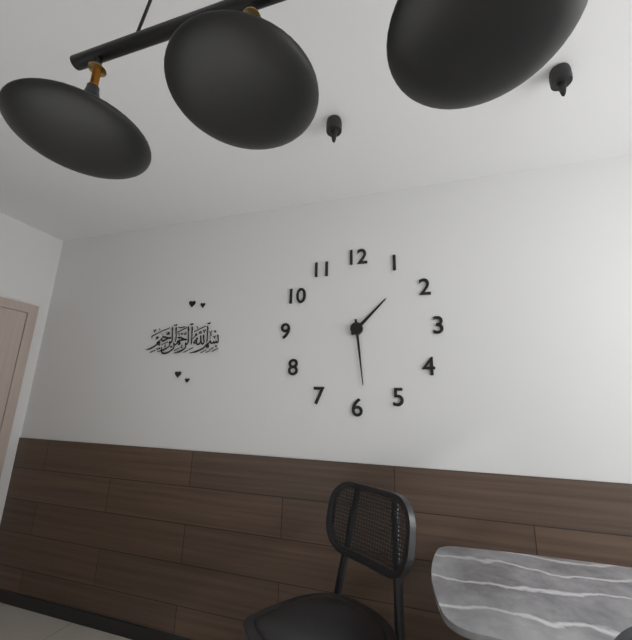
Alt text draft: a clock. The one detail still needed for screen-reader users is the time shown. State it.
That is 1:29
